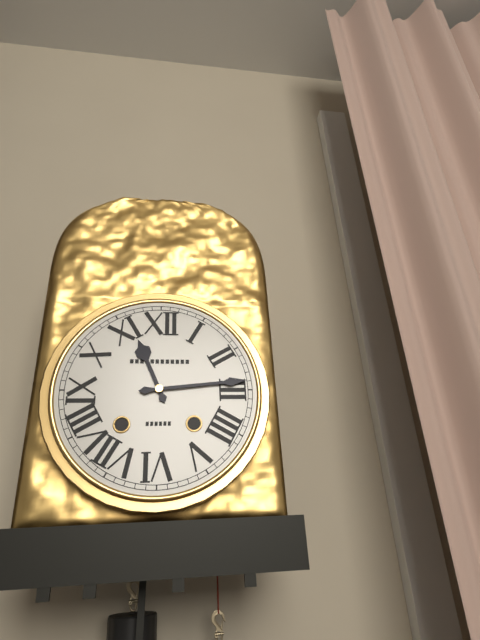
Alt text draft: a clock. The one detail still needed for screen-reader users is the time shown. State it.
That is 11:14
